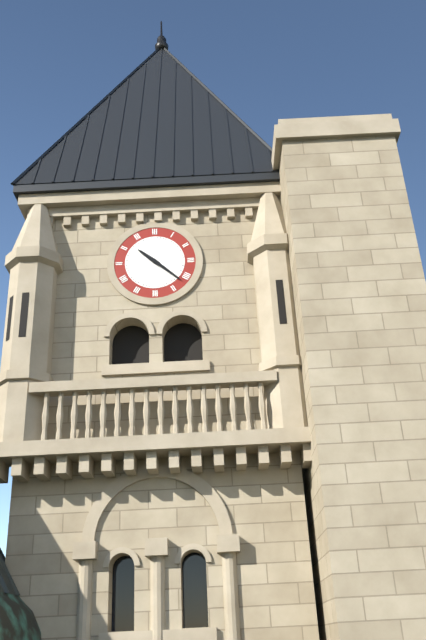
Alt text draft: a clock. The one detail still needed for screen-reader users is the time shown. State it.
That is 10:22
